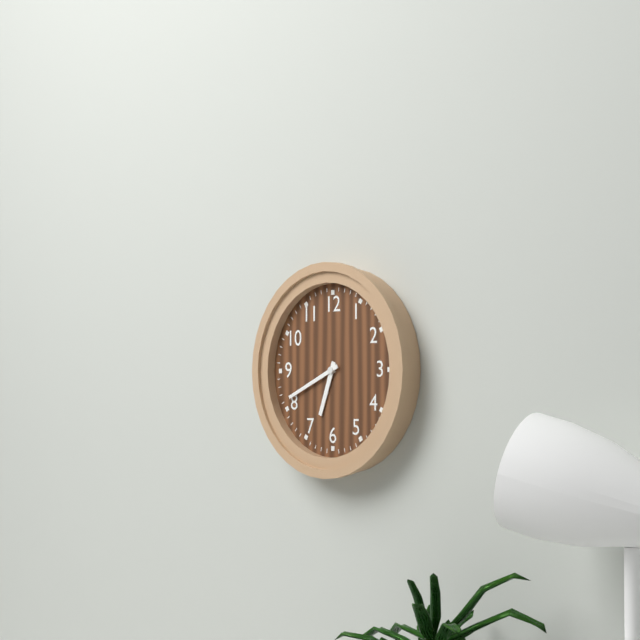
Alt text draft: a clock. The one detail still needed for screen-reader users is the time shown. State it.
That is 6:41
